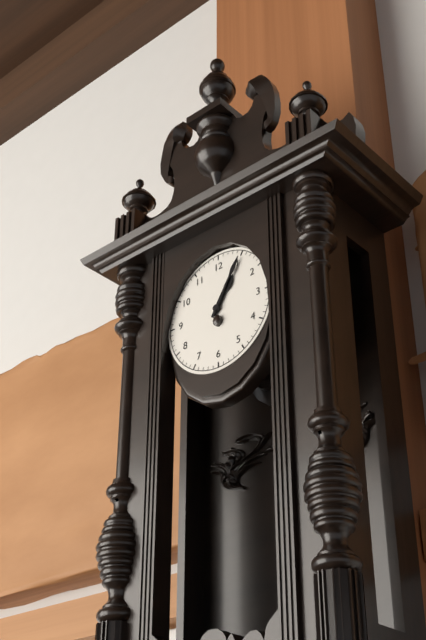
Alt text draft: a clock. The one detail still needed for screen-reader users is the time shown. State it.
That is 1:05
